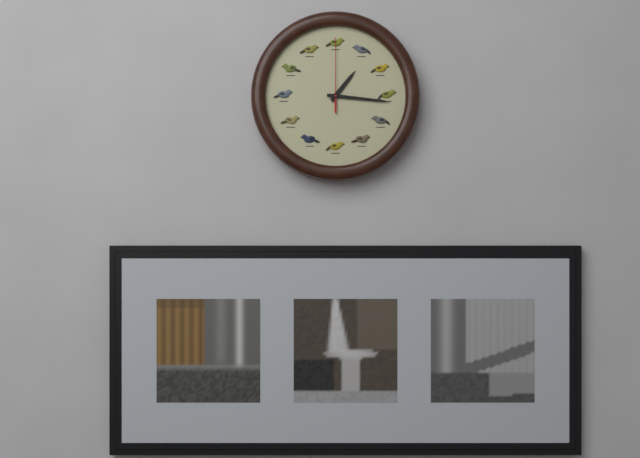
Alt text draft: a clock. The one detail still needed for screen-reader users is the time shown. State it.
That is 1:16:00
